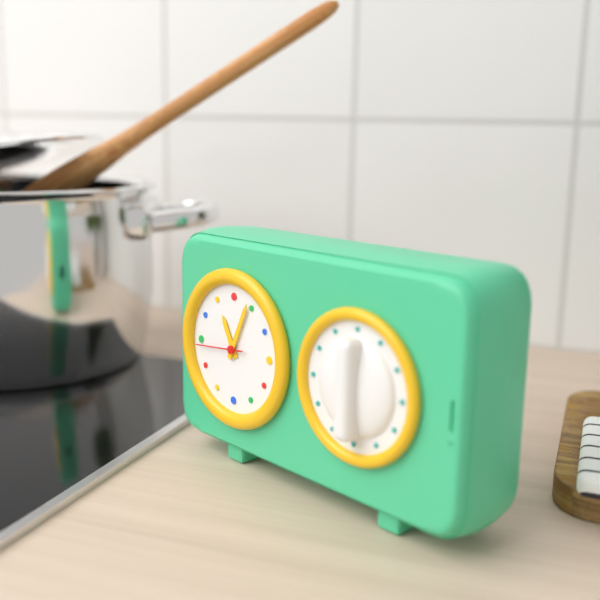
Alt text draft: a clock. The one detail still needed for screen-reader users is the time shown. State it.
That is 11:04
